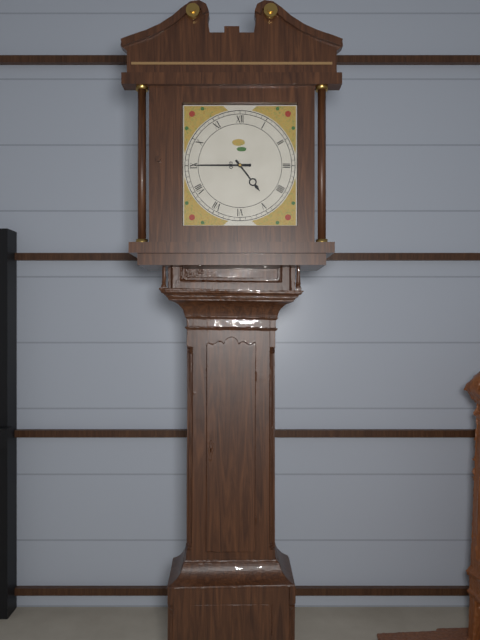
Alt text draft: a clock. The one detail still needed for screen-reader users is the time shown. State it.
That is 4:45
